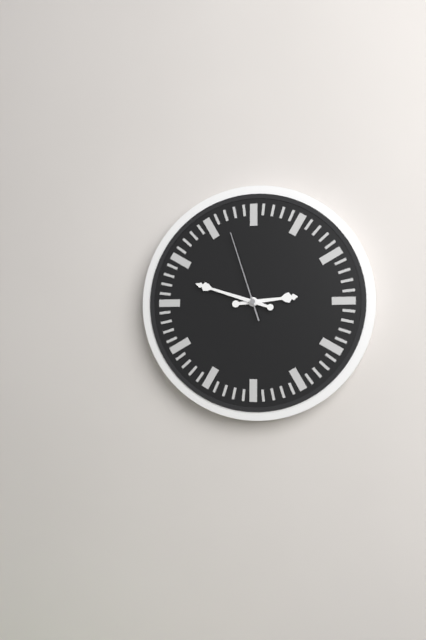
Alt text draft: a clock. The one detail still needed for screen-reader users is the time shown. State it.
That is 2:48:57
